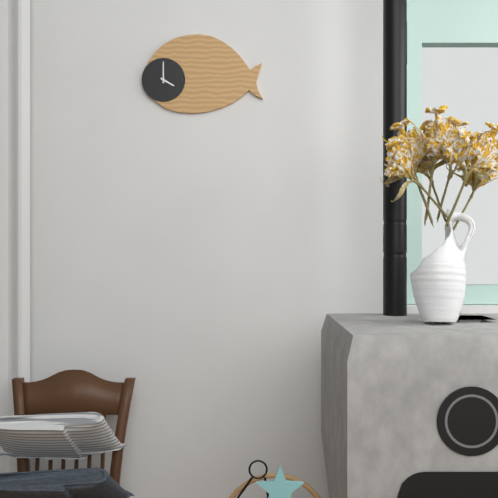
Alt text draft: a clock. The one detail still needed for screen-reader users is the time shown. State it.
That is 4:00
